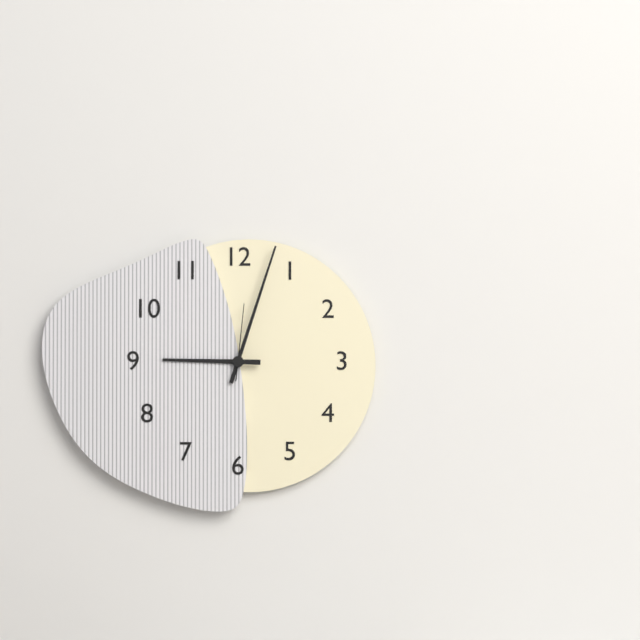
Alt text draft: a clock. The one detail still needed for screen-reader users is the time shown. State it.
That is 9:03:01
